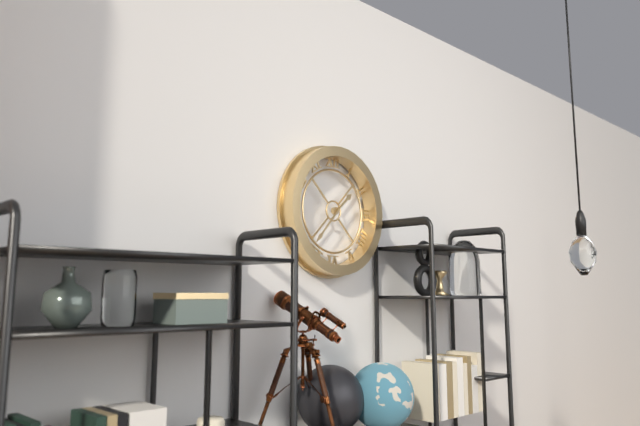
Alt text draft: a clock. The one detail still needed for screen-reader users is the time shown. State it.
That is 1:37
